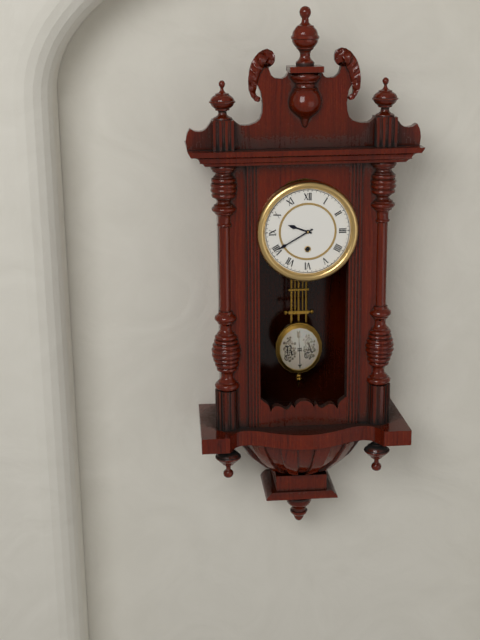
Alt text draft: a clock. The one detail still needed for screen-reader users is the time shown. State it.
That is 9:40
